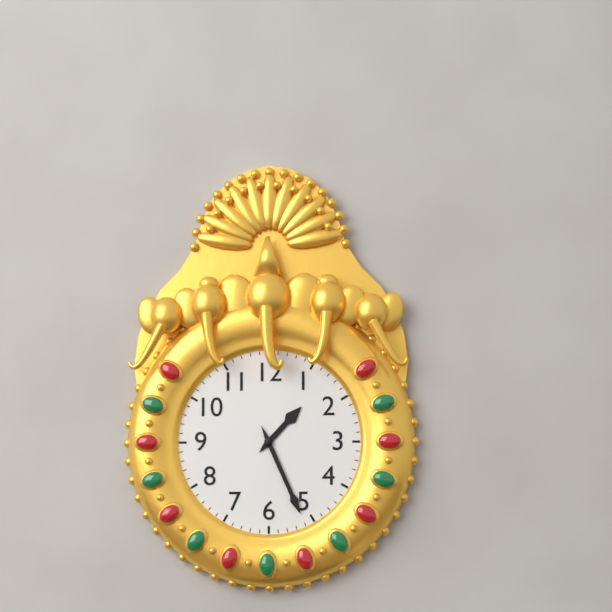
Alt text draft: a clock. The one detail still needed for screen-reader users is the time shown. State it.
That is 1:26
